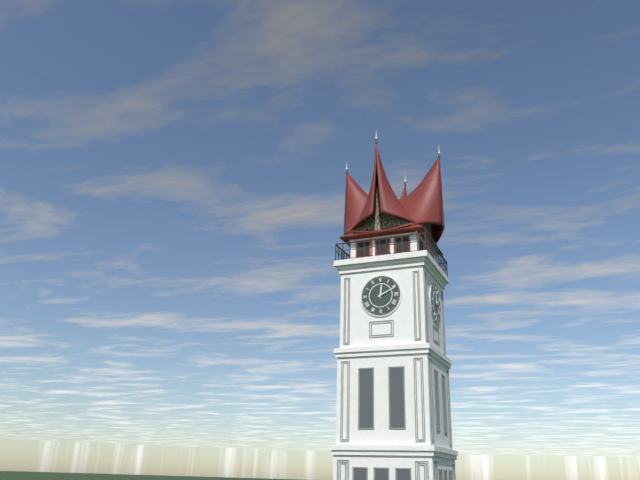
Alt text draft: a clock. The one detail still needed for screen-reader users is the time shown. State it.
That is 12:11
